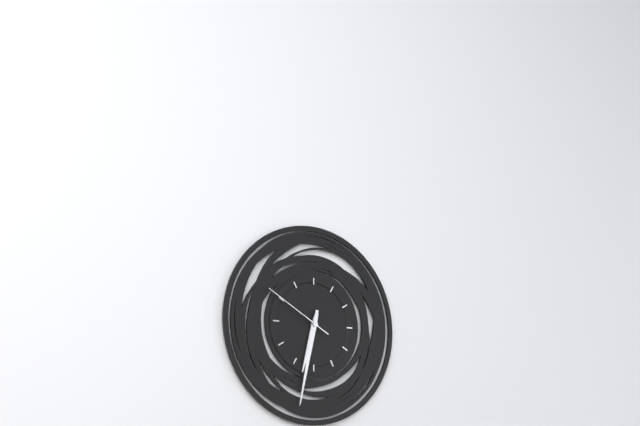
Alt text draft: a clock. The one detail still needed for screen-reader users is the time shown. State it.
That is 6:32:50
